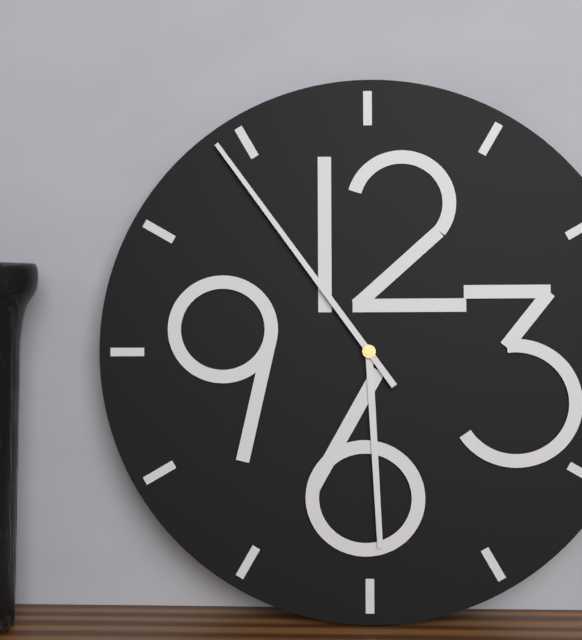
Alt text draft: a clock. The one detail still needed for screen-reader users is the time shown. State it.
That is 5:54
